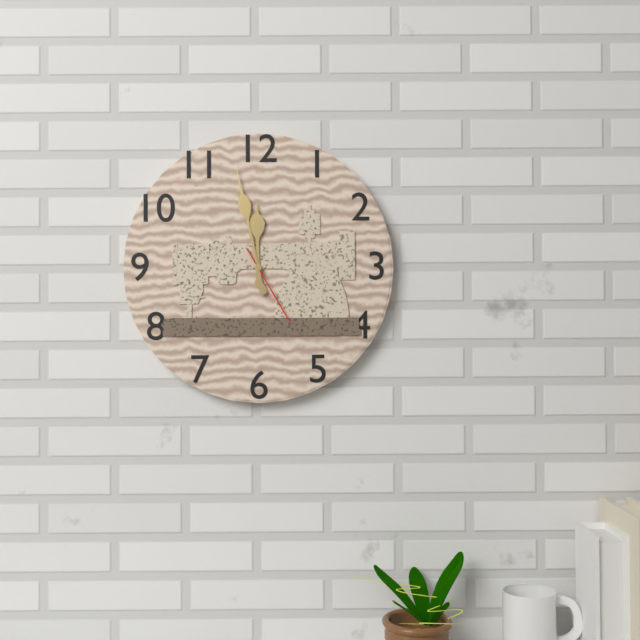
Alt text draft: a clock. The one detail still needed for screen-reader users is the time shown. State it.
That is 11:58:25
